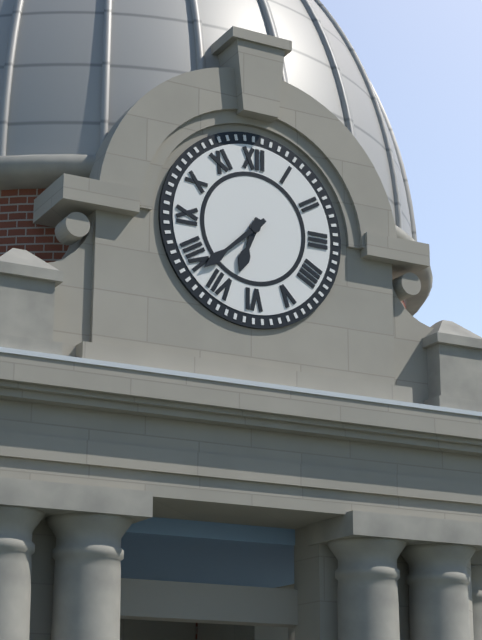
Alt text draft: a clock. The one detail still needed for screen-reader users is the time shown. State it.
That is 6:38
